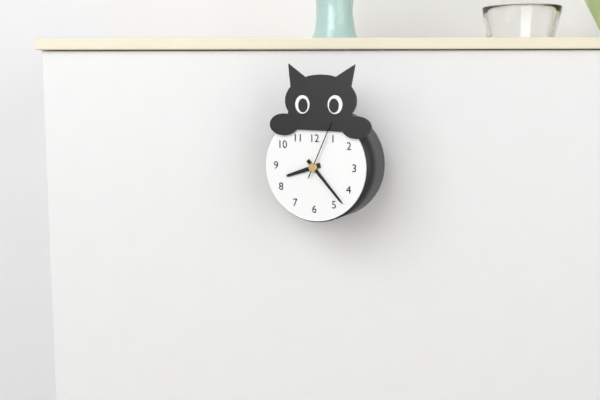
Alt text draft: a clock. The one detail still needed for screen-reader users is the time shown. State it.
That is 8:23:04
